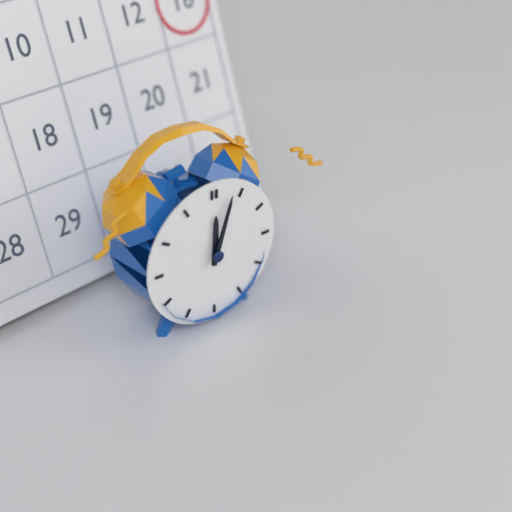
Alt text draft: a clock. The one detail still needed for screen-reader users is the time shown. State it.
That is 12:03
